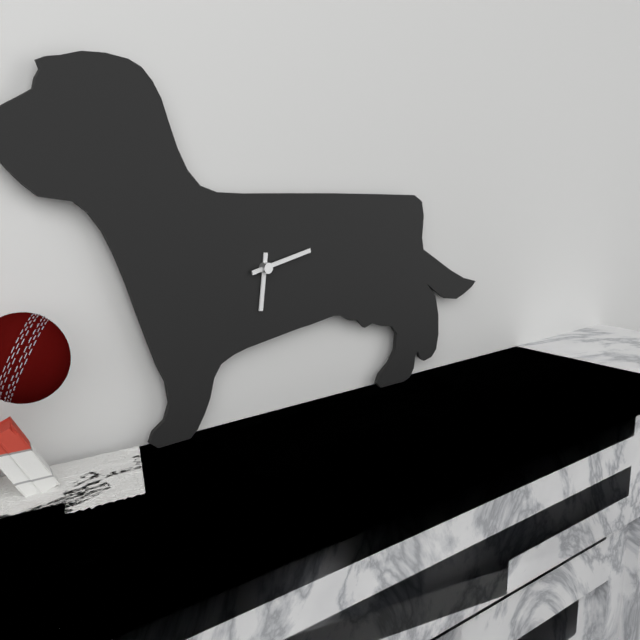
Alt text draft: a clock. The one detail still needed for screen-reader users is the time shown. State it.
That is 6:13
